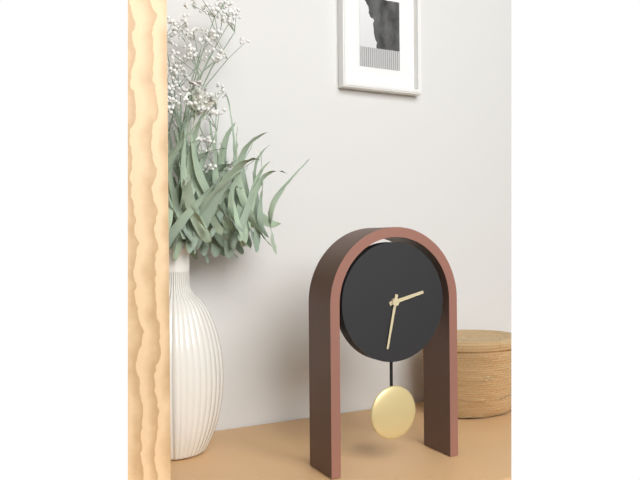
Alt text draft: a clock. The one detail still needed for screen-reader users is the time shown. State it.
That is 2:32
